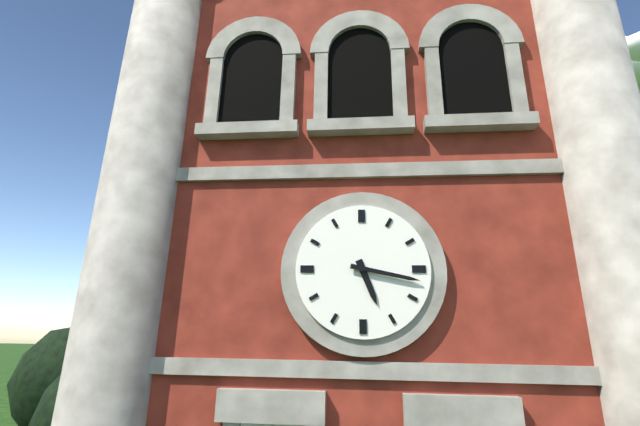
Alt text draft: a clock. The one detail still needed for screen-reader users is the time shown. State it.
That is 5:17
